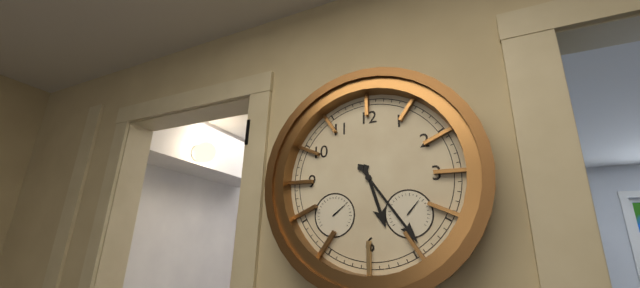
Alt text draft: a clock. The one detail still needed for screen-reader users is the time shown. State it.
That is 5:24
